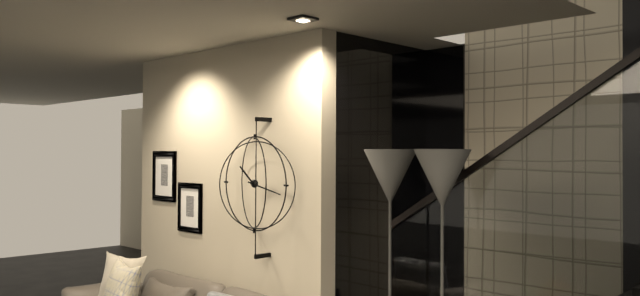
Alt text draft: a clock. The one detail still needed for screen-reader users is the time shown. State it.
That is 10:17
